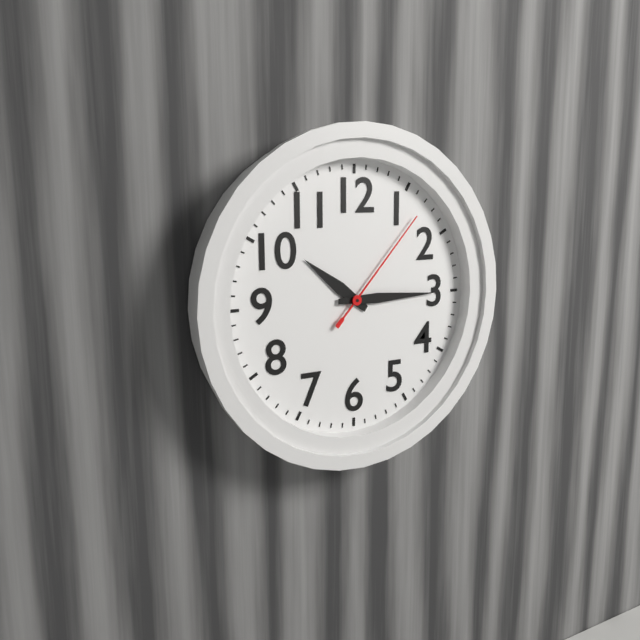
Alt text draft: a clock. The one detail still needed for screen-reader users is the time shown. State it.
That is 10:15:07
